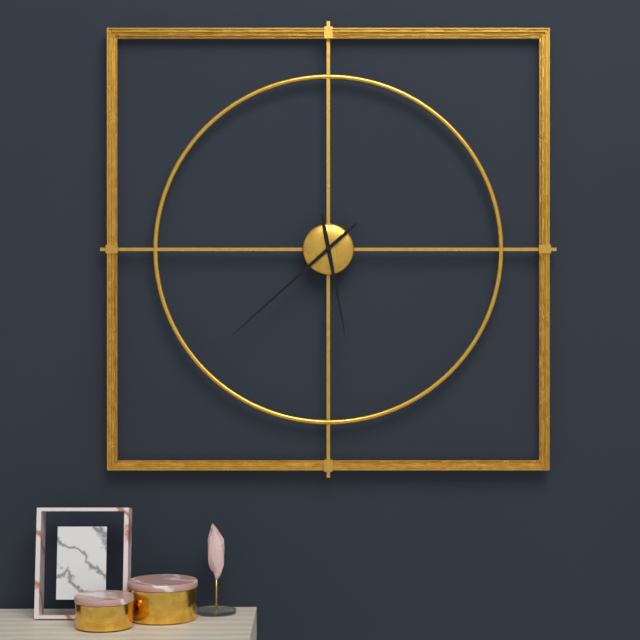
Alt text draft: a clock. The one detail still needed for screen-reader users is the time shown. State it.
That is 5:38
